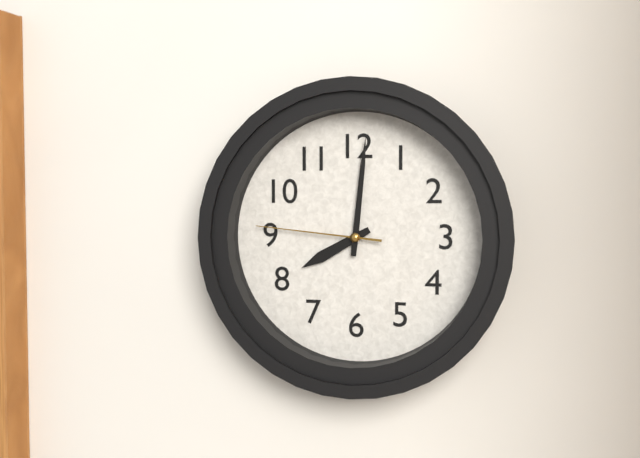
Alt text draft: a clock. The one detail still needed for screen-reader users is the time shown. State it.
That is 8:01:46
